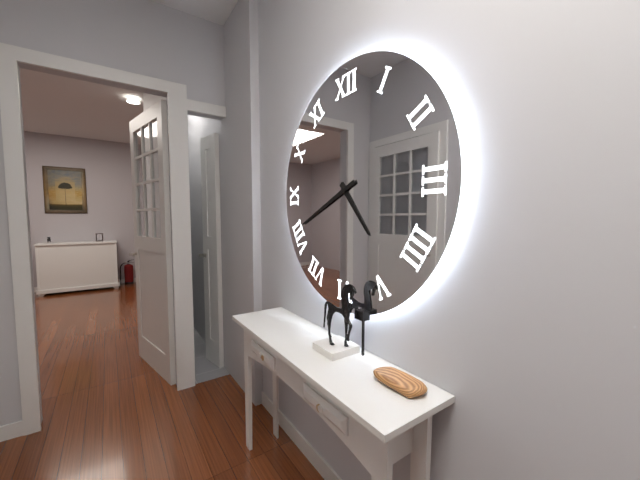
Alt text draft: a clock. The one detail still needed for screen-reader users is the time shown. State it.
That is 4:41
